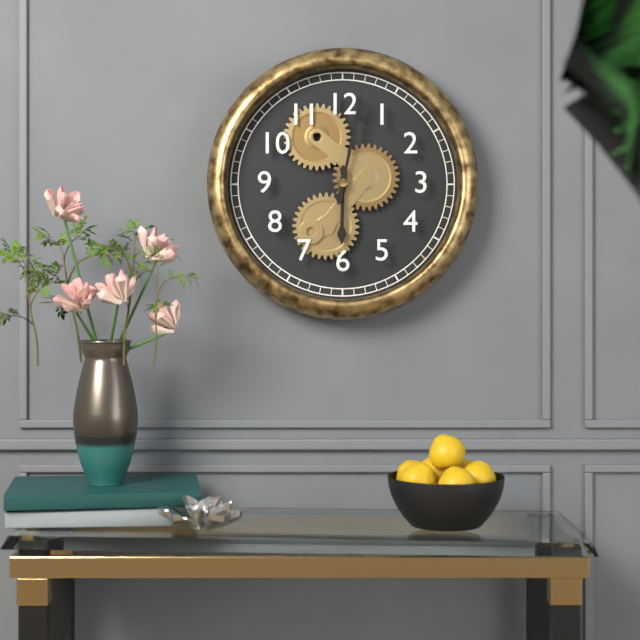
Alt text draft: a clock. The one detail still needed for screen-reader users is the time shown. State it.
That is 6:02
